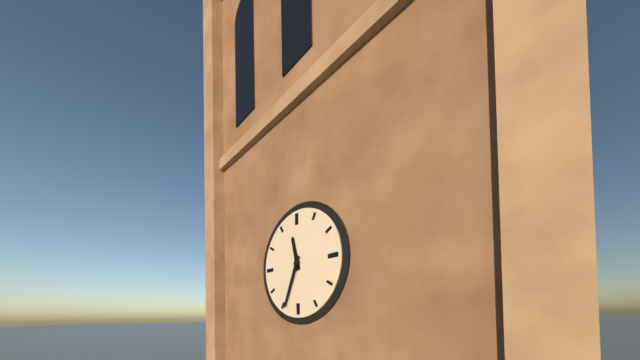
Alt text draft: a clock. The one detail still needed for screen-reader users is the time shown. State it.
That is 11:34
